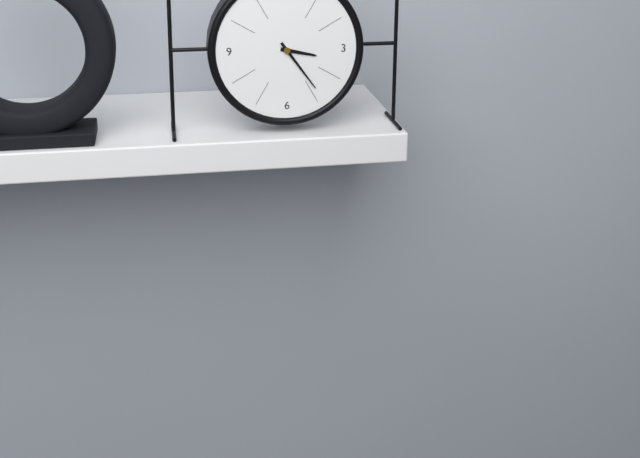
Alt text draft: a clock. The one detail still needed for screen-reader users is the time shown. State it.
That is 3:24
